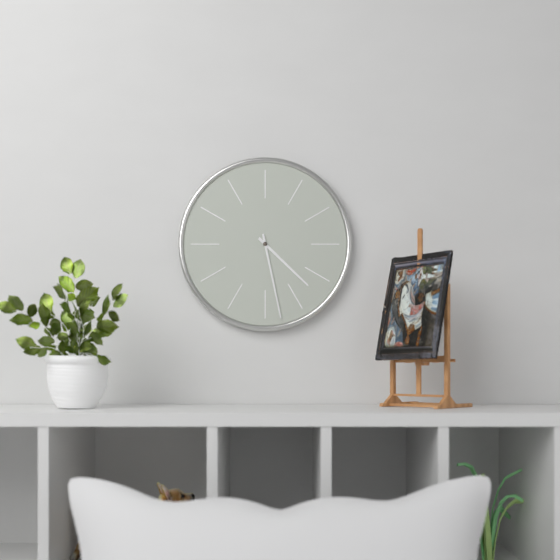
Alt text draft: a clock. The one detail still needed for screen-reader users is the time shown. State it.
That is 4:28
